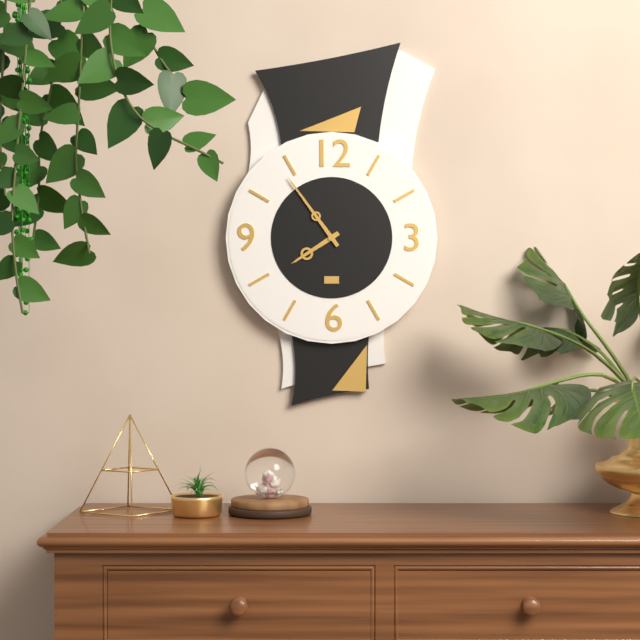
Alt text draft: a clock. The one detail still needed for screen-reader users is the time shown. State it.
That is 7:54
